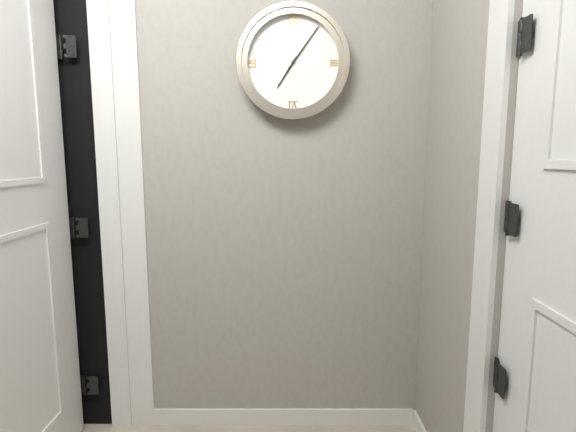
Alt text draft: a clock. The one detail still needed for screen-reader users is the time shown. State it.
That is 7:06
